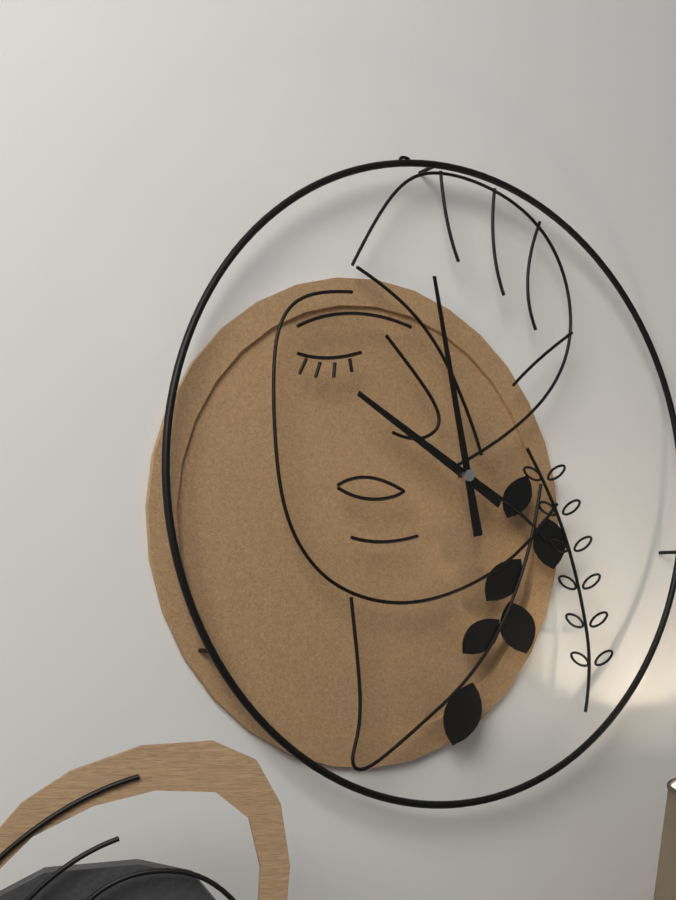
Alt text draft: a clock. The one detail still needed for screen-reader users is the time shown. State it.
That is 9:58
